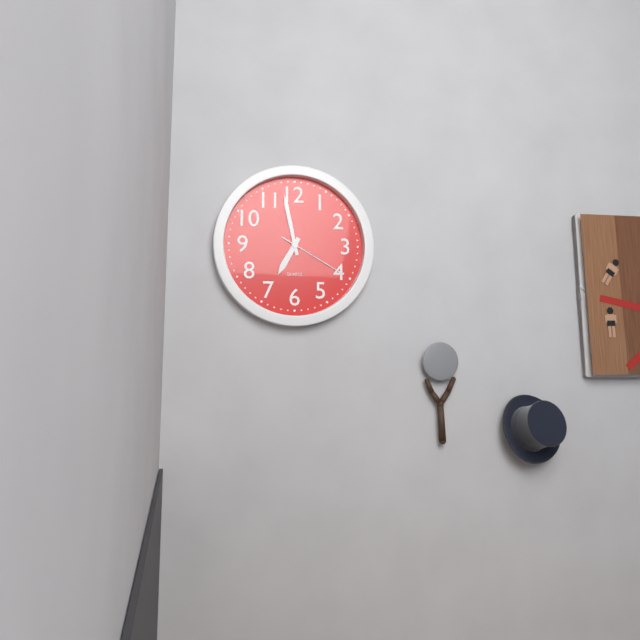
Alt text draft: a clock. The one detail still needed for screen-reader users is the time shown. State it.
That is 6:58:20
